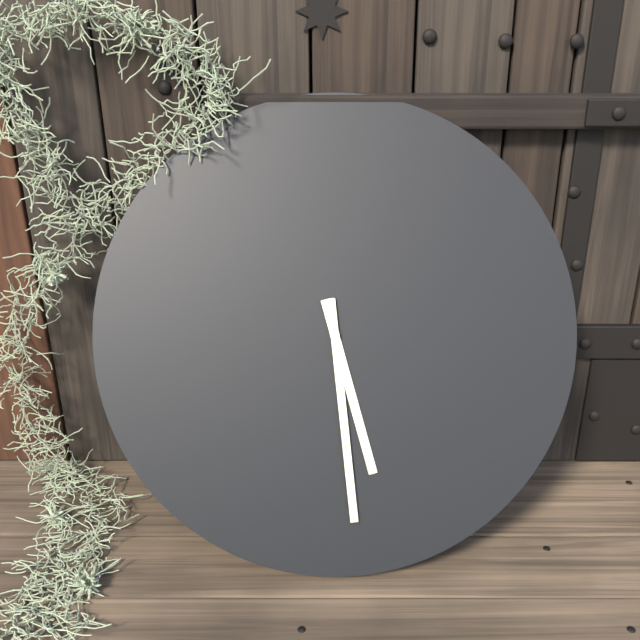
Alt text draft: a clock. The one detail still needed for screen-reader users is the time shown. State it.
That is 5:29
